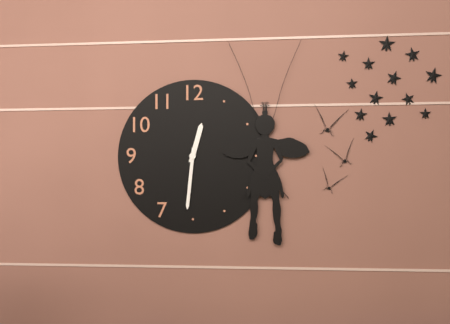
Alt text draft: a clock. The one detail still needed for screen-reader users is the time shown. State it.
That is 12:31
